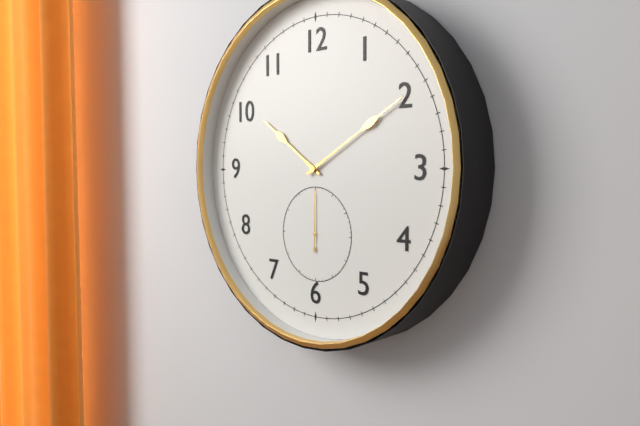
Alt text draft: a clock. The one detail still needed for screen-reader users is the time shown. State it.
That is 10:10:00
